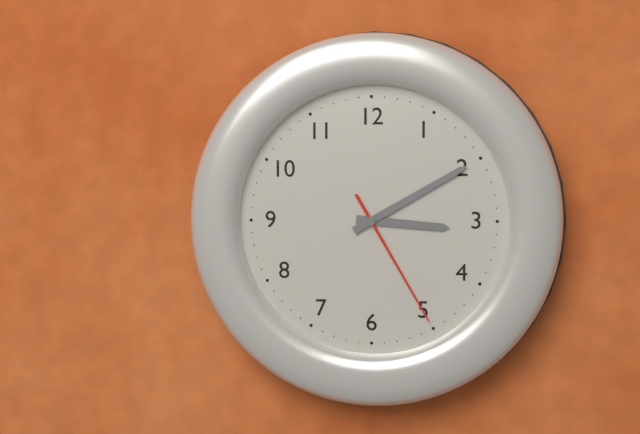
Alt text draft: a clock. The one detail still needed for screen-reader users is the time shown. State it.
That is 3:10:25
